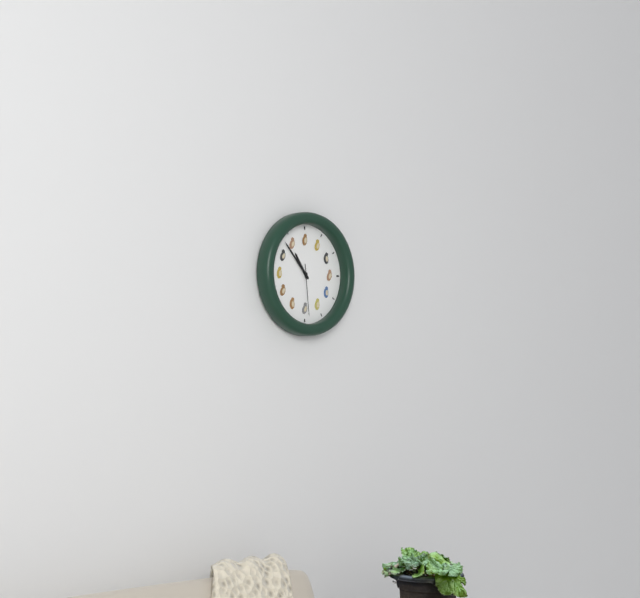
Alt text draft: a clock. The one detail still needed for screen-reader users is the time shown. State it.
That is 10:53:29
